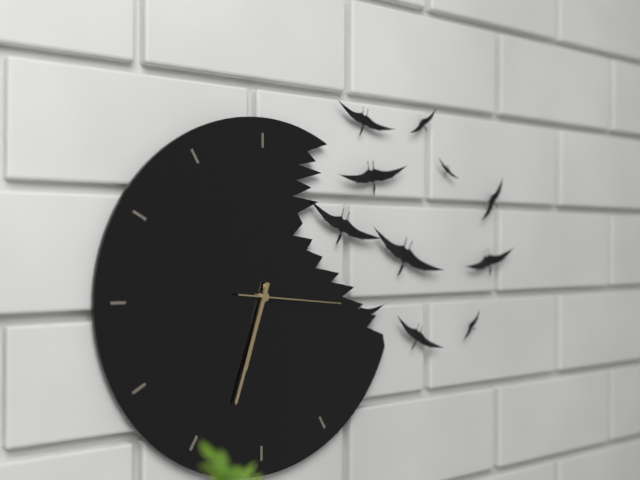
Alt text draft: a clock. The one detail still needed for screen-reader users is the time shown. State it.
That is 6:33:16
